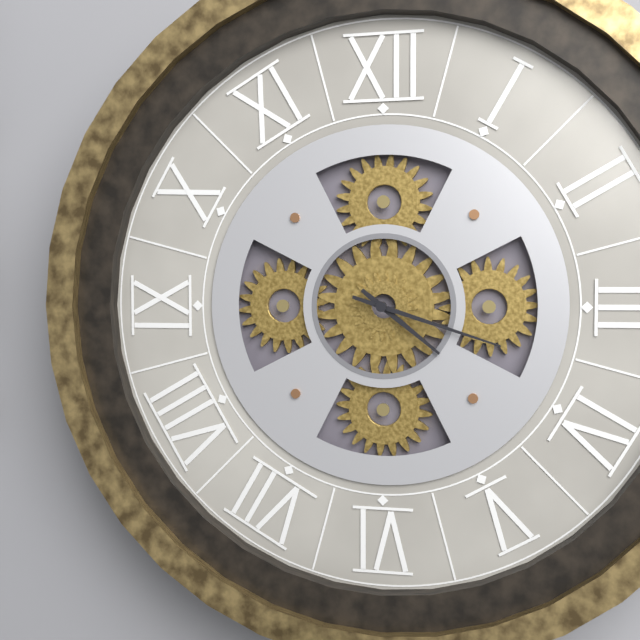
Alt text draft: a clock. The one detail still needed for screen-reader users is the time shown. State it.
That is 4:18
